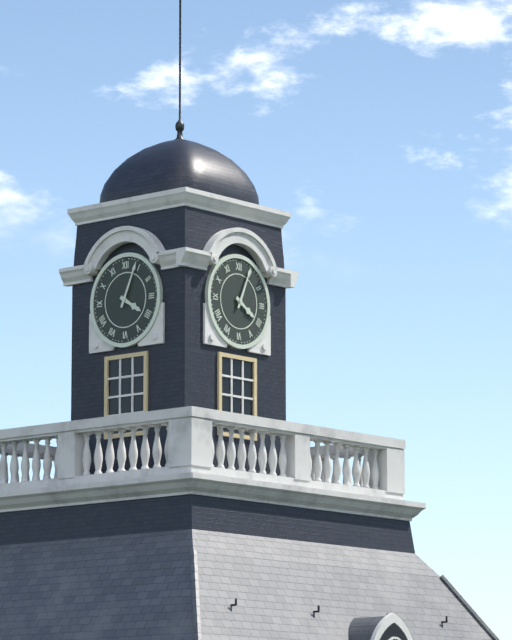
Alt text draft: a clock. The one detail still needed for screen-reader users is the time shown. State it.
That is 4:04
